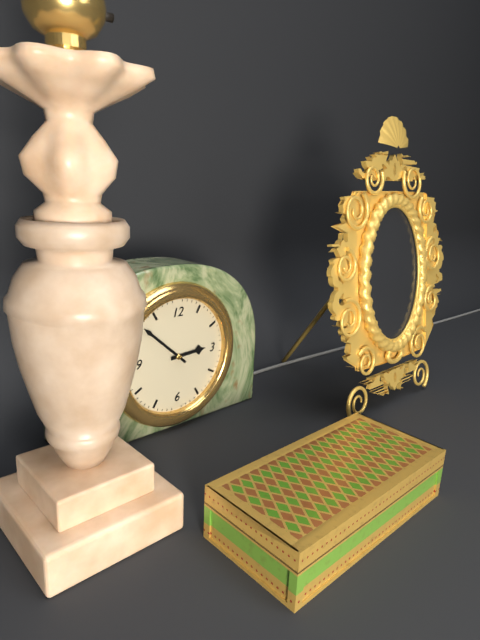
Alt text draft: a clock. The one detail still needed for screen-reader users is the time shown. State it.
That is 2:52
